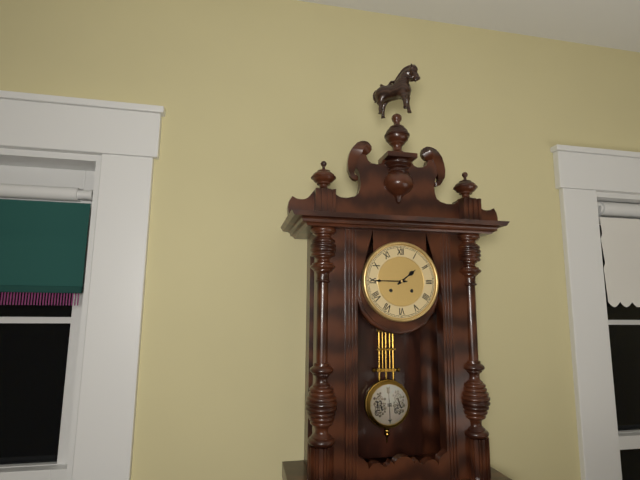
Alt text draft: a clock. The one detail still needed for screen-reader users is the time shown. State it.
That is 1:45
